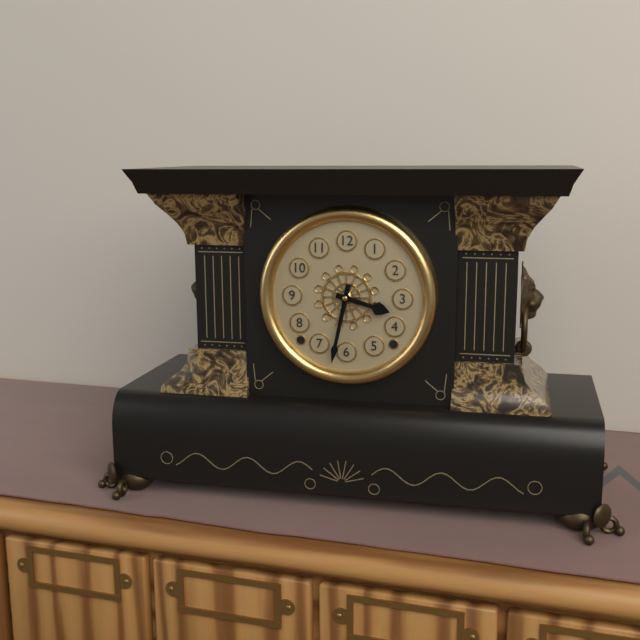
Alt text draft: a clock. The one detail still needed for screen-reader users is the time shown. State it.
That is 3:32
